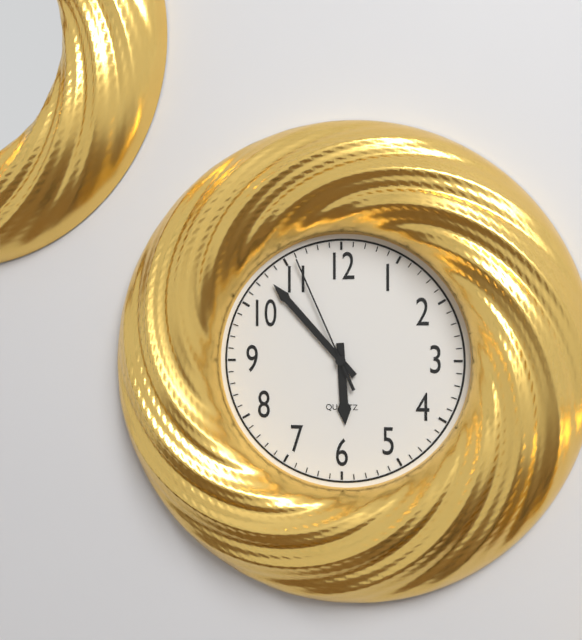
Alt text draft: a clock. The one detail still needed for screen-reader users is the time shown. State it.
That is 5:53:56
